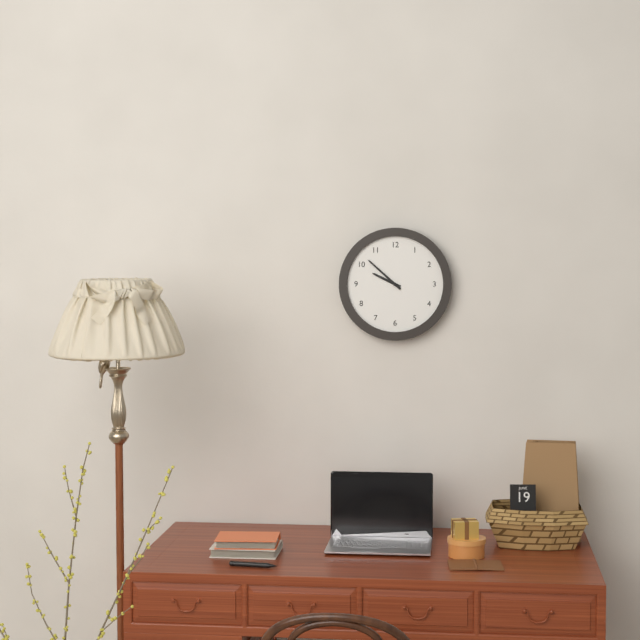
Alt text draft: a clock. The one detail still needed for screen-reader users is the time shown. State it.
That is 9:52
